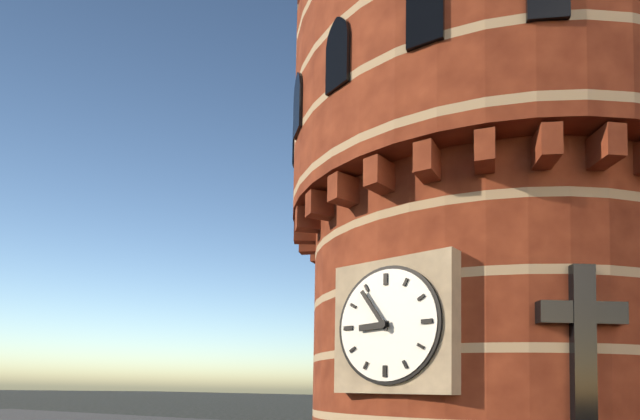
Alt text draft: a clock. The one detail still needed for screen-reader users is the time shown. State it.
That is 8:54
